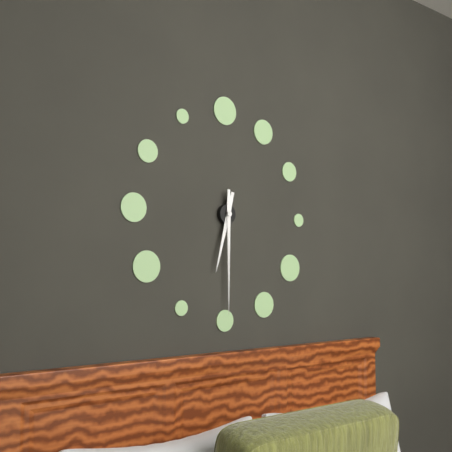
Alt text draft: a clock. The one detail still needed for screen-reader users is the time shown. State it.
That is 6:30
